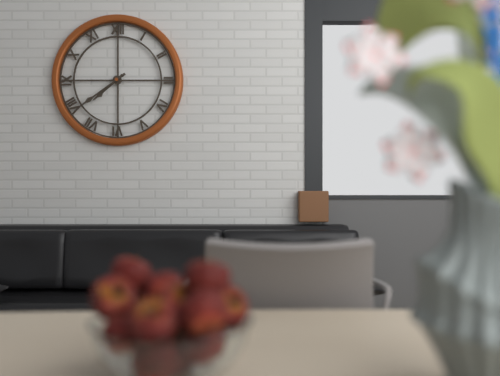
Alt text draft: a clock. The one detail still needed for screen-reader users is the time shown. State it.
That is 7:39
